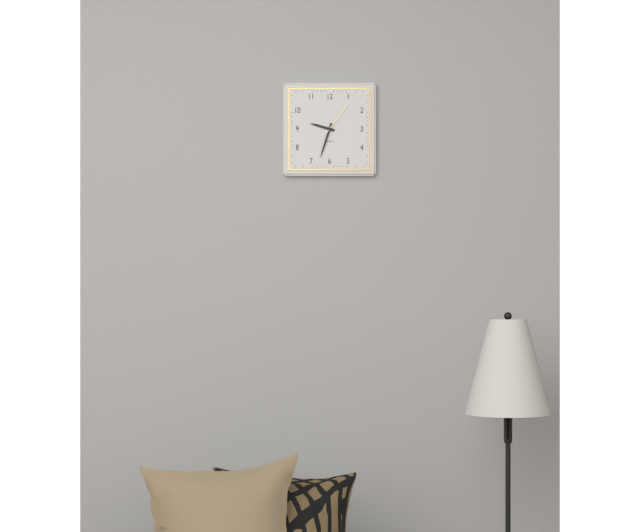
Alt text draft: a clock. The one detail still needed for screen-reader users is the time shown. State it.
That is 9:33
